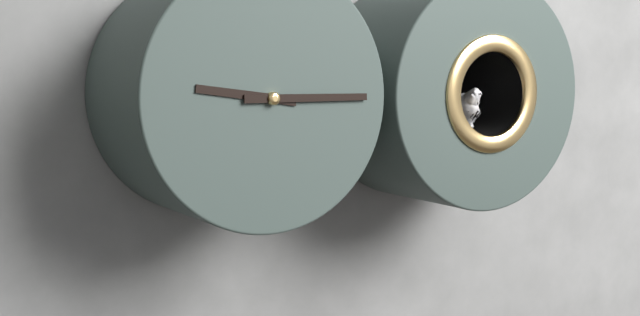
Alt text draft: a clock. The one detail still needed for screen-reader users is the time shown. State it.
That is 9:15
